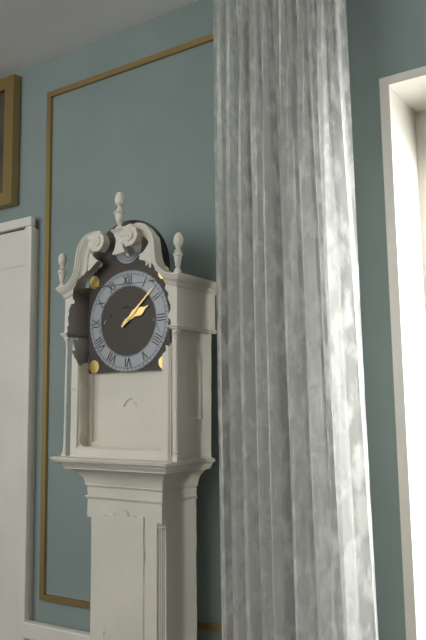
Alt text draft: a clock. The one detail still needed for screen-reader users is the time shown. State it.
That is 2:08
